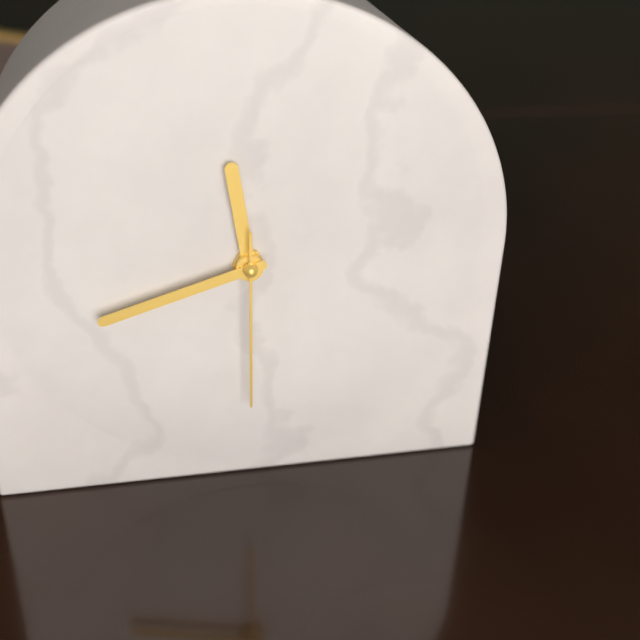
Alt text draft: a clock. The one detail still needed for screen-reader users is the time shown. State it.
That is 11:42:30
